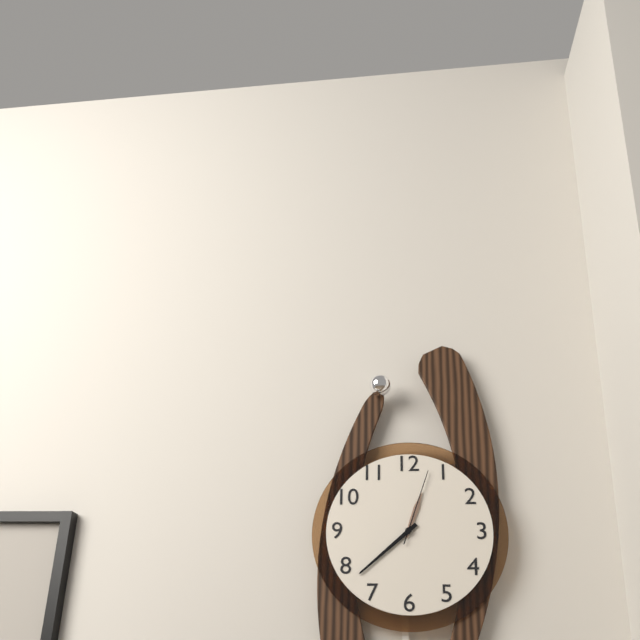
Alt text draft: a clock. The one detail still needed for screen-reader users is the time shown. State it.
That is 12:38:03
